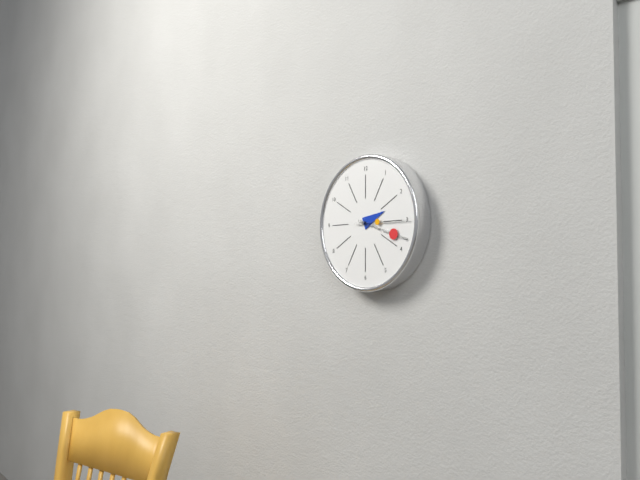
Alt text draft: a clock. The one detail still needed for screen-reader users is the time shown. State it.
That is 2:18:15
